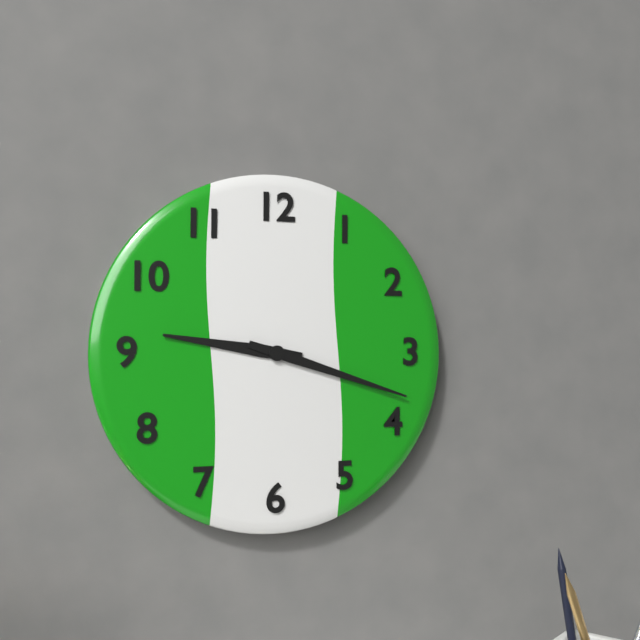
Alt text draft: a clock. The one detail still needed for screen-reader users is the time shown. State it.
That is 9:18
